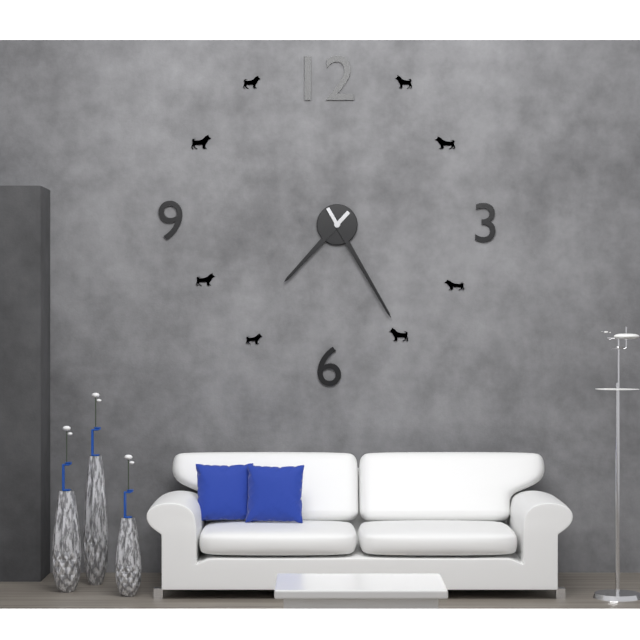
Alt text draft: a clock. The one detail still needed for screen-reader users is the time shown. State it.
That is 7:25
